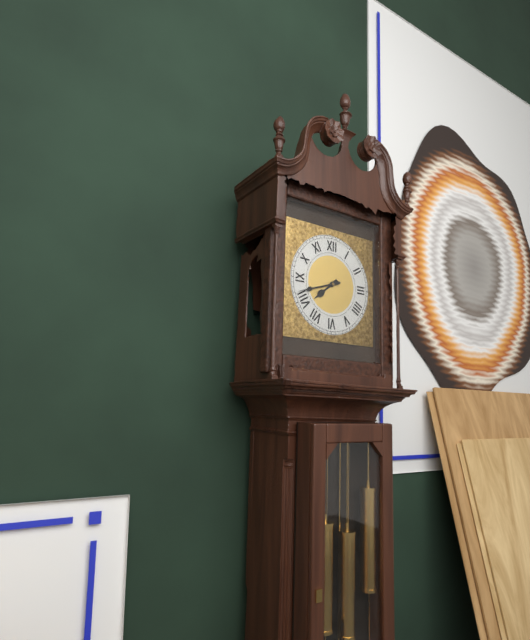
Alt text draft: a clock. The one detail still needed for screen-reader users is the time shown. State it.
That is 7:42
